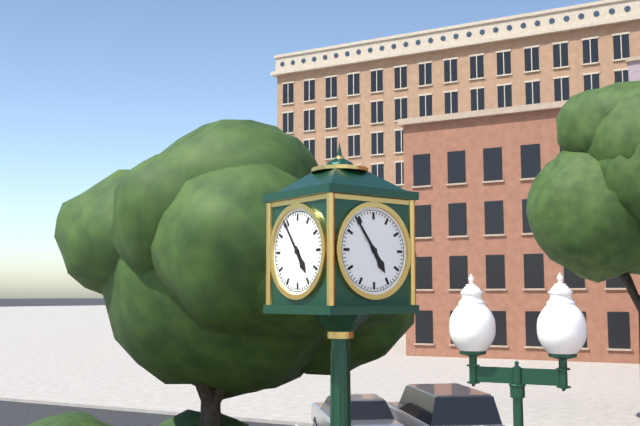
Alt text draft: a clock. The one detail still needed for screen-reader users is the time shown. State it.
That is 4:54
